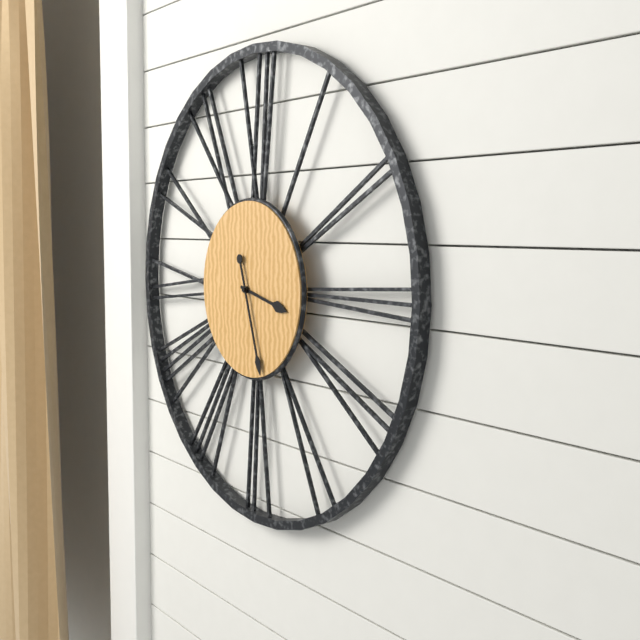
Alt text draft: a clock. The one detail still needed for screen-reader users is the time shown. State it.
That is 3:27
